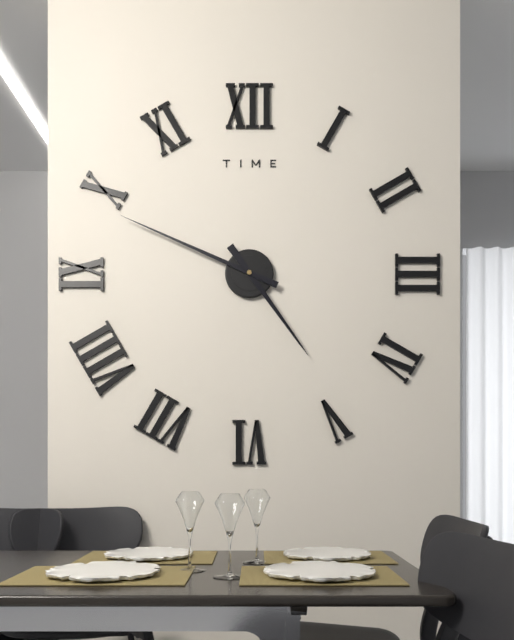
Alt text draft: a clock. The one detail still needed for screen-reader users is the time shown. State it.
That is 4:49
